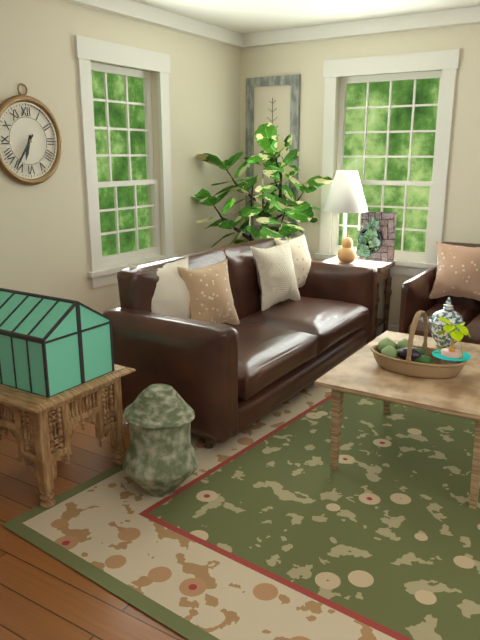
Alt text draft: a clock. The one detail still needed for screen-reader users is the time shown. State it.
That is 6:36
